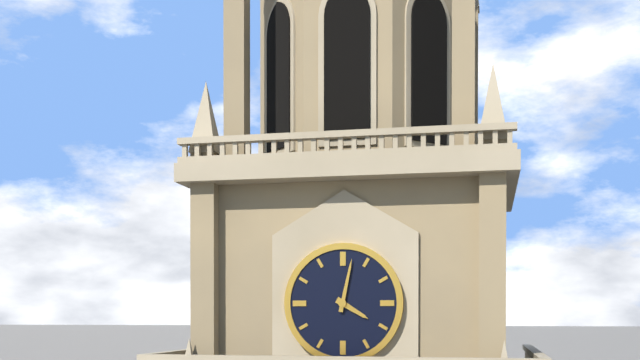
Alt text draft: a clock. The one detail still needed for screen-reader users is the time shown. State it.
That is 4:02
